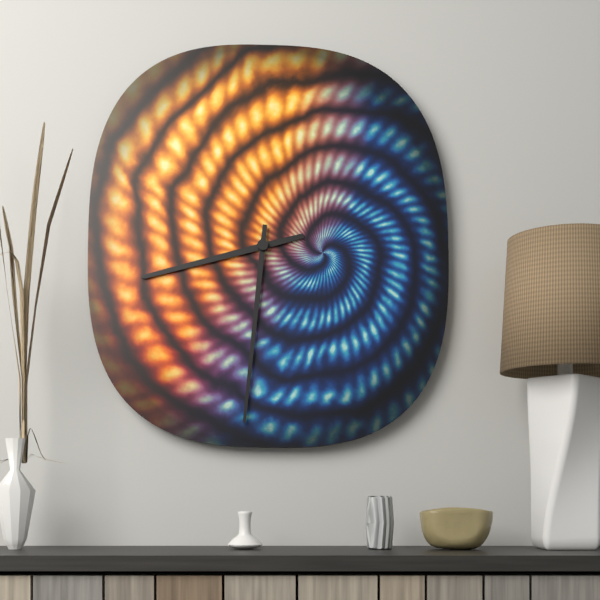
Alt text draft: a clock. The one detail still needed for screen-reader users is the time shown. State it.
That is 8:31
